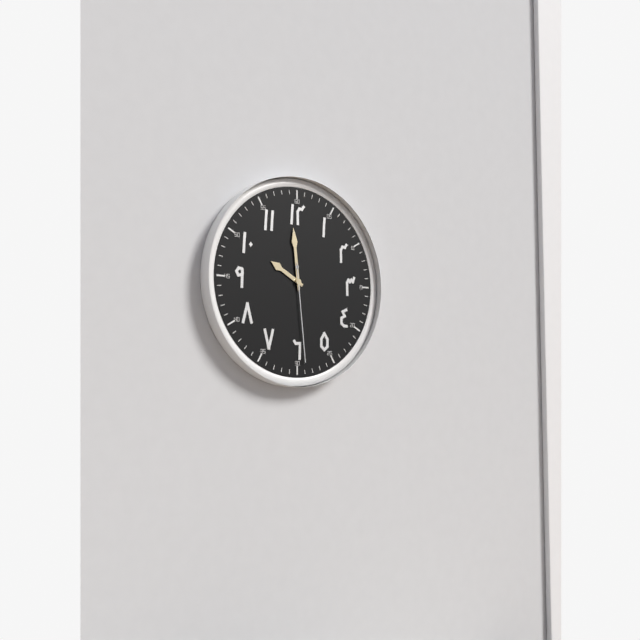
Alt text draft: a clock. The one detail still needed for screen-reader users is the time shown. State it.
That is 9:59:29
